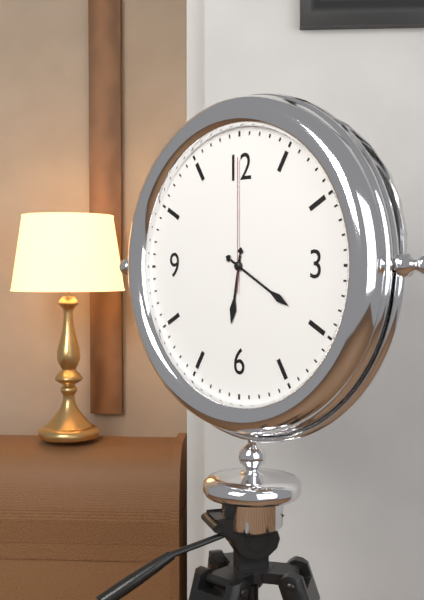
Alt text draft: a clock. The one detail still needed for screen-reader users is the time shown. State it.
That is 6:20:00
